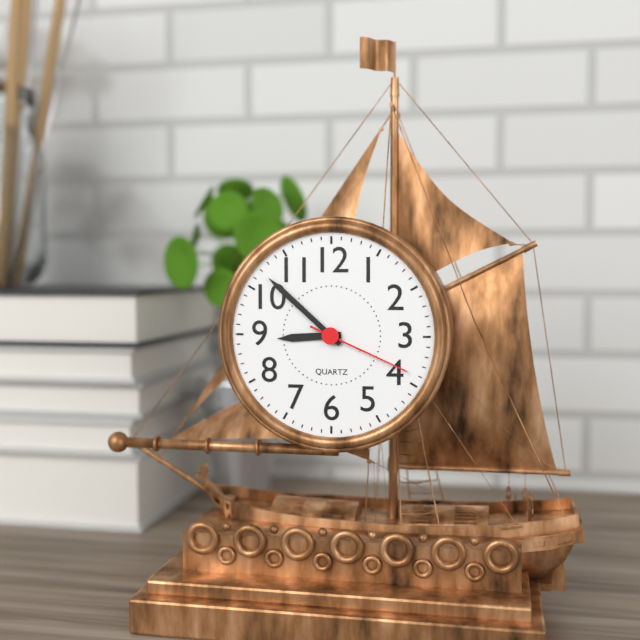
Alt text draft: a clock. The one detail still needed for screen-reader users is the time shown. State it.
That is 8:52:19
